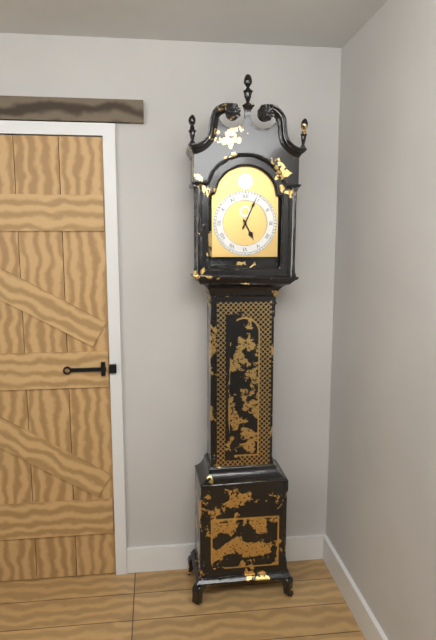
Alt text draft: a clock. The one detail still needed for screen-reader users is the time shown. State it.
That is 5:04
